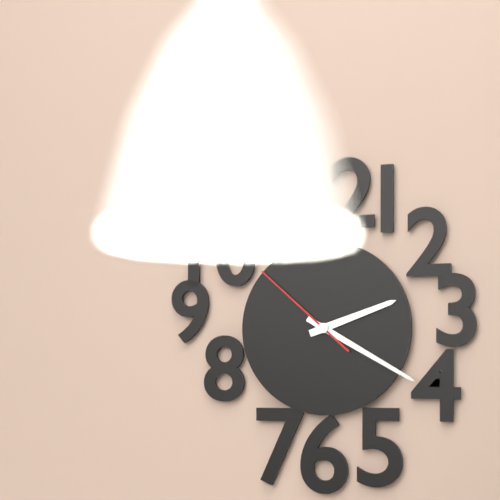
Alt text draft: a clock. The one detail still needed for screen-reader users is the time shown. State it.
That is 2:20:52
